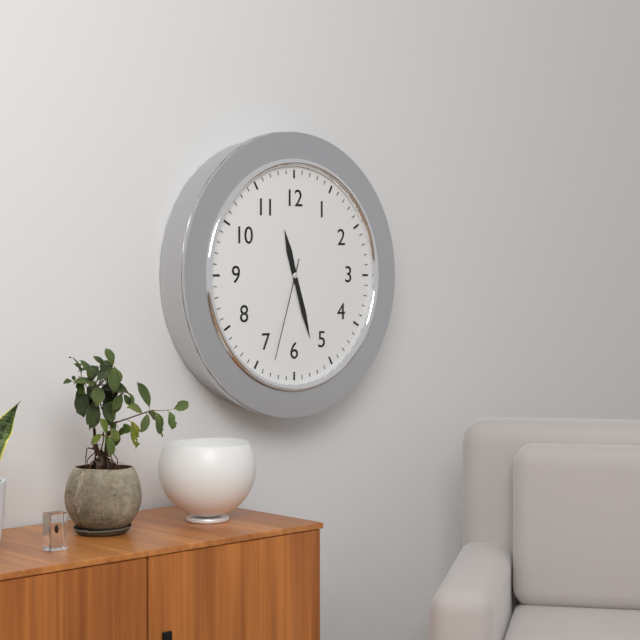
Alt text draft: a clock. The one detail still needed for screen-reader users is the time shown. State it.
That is 11:27:33
